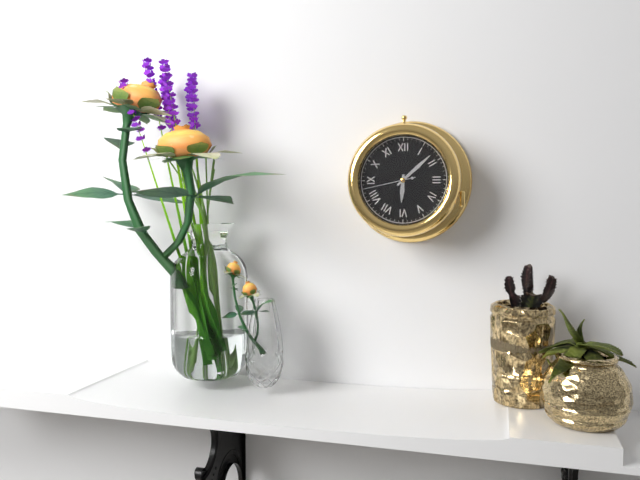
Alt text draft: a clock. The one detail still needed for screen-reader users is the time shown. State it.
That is 6:08
